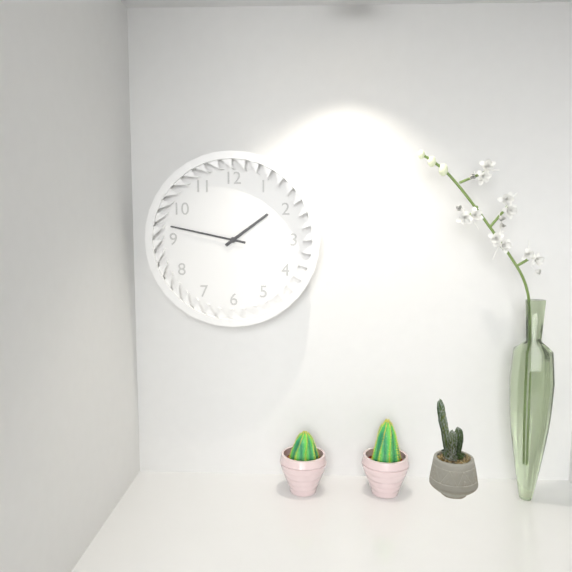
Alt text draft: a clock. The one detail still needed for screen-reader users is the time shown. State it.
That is 1:47
